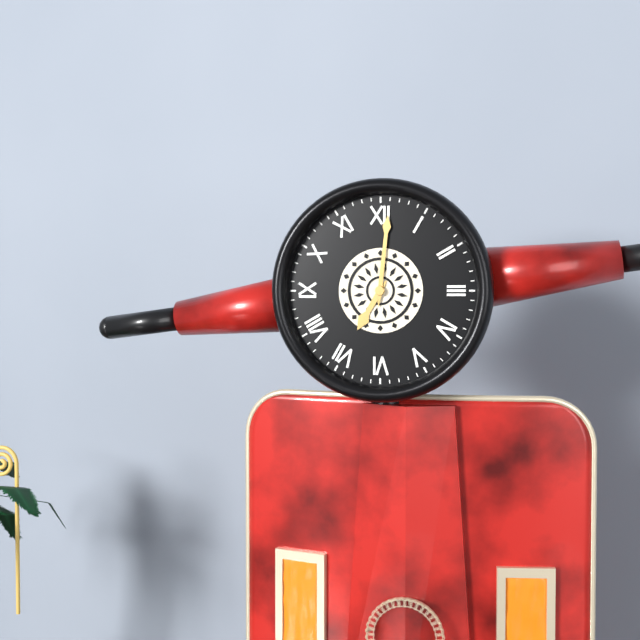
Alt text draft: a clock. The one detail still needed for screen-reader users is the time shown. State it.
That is 7:01
